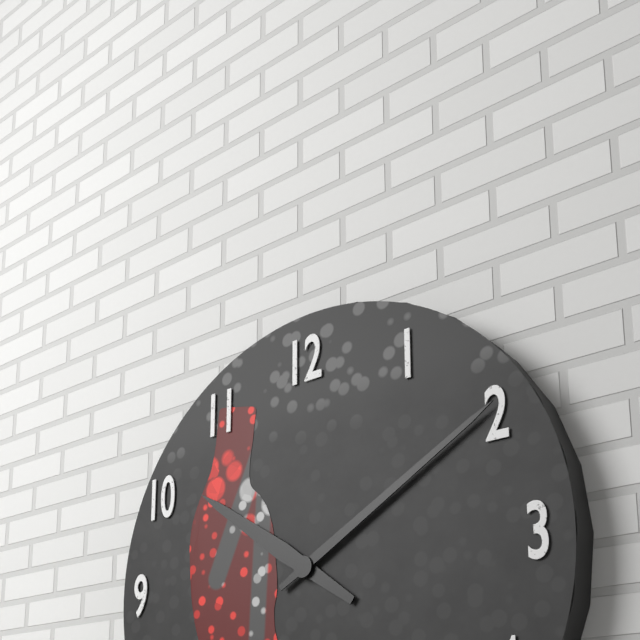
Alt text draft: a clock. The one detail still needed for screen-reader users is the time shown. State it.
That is 10:10
